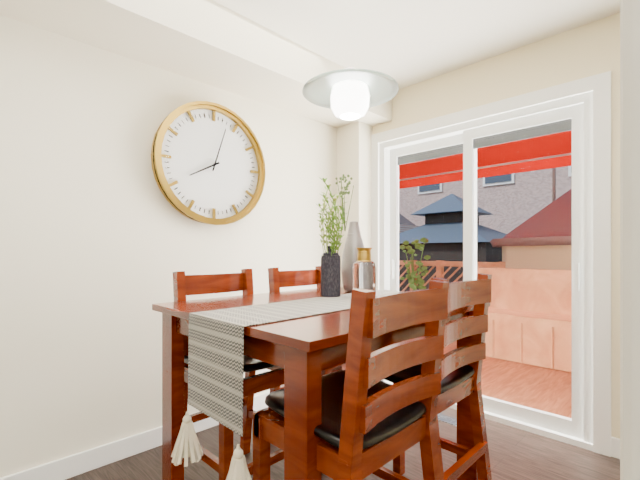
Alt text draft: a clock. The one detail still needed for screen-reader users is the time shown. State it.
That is 8:03
